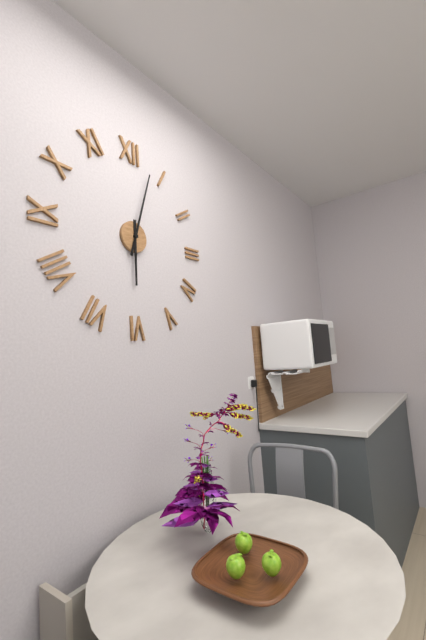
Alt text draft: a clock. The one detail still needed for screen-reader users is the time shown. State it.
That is 6:03
